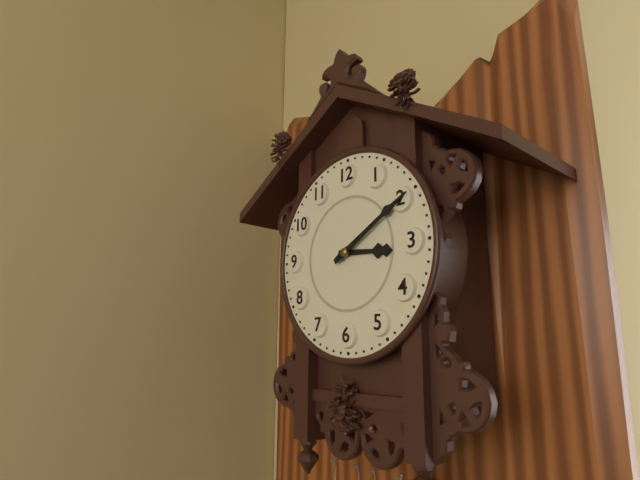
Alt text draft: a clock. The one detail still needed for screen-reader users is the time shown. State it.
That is 3:10
